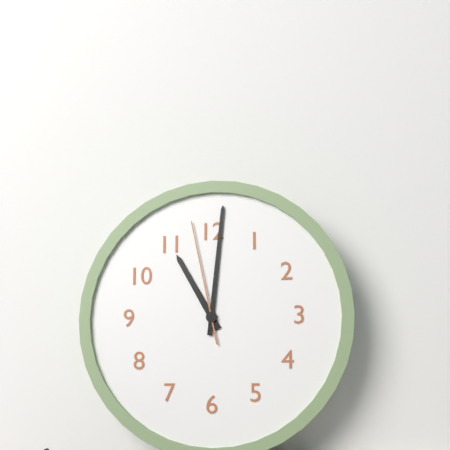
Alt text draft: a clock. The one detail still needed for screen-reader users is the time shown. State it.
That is 11:01:58
